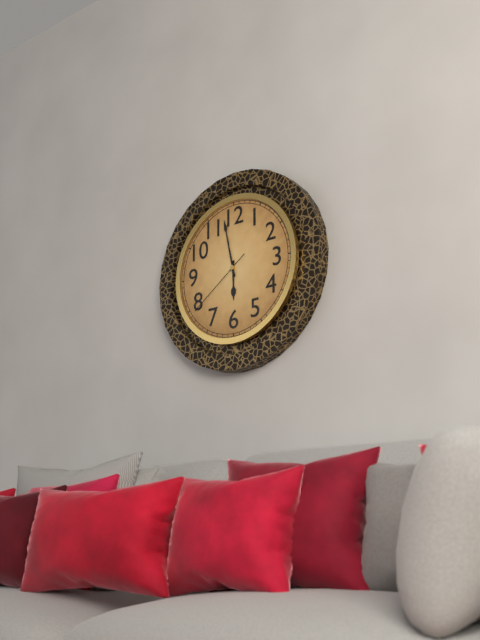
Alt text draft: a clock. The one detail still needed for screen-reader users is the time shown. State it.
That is 5:58:39
